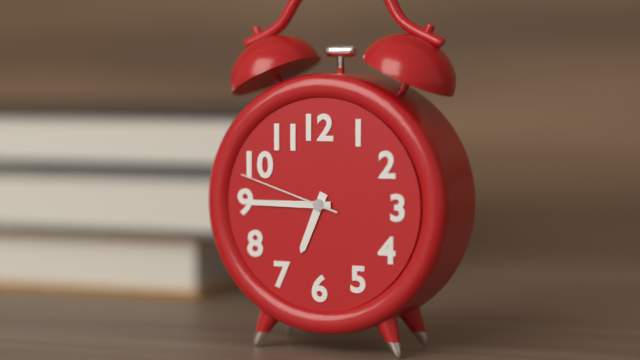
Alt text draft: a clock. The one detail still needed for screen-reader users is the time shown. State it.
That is 6:45:48
